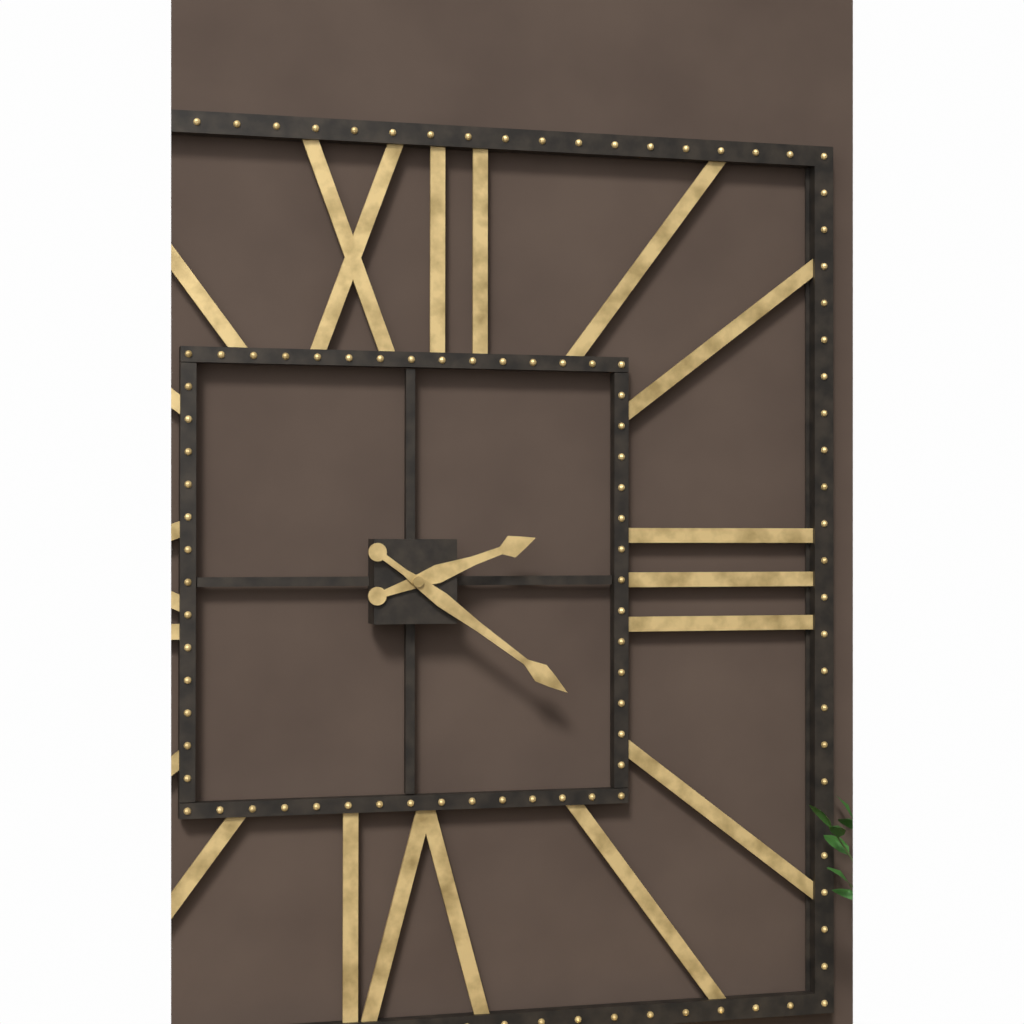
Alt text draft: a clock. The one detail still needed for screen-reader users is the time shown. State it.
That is 2:21
